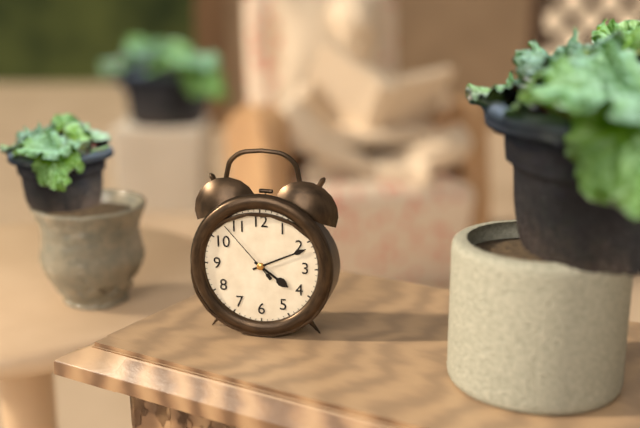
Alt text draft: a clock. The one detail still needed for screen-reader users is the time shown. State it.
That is 4:11:53
